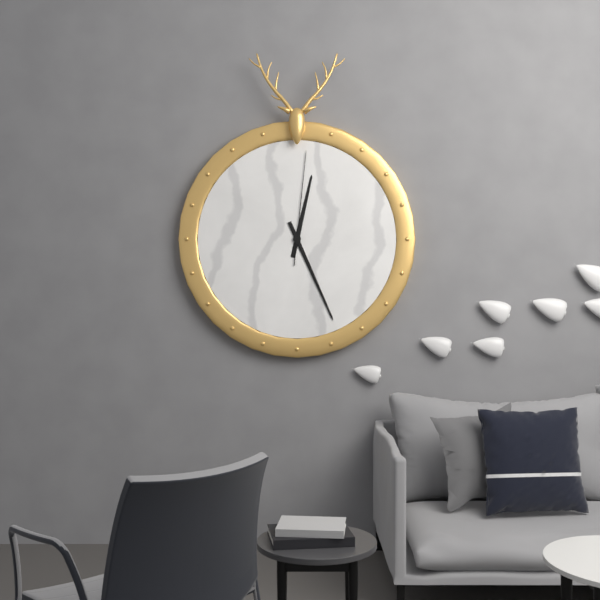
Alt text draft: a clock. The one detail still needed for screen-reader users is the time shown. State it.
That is 12:26:01
